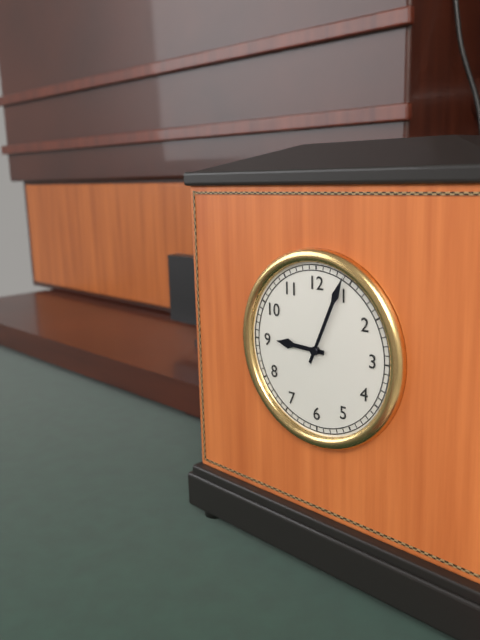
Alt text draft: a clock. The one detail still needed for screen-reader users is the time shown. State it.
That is 9:04
